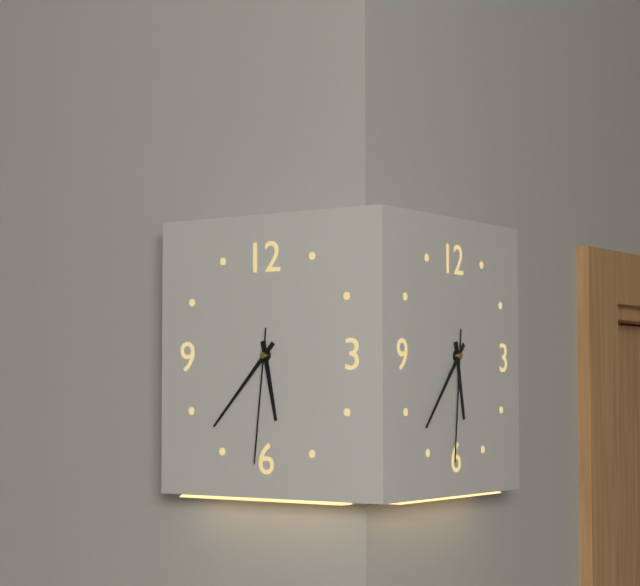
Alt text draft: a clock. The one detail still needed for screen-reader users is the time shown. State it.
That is 5:37:31
